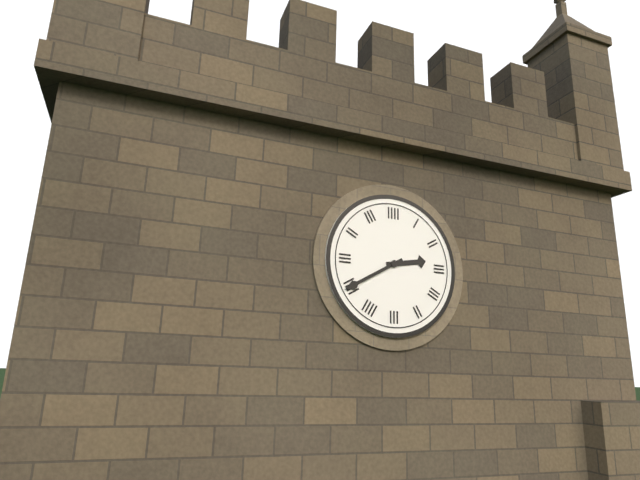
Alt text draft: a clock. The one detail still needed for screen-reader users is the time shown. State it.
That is 2:40
